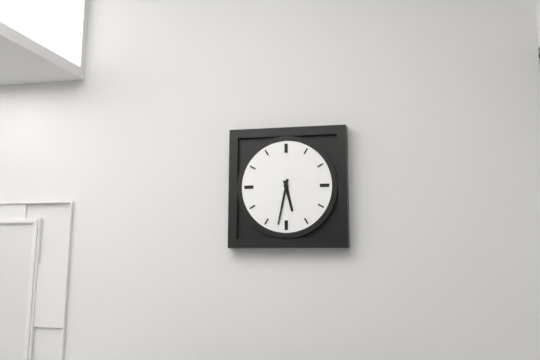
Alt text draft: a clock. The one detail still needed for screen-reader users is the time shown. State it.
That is 5:32
